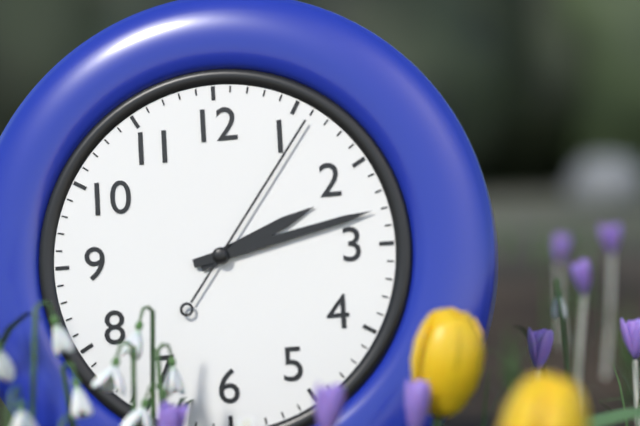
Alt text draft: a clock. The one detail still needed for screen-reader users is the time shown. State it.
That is 2:13:06
